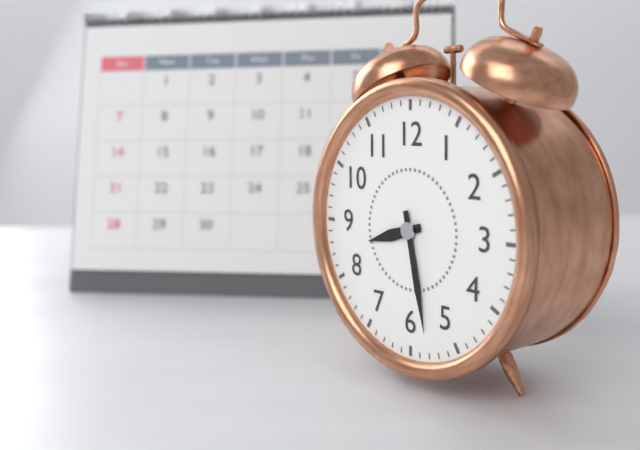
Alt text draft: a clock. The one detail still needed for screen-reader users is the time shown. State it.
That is 8:28
